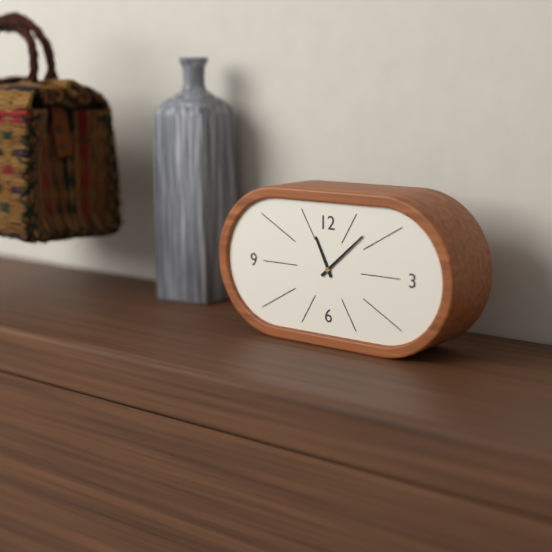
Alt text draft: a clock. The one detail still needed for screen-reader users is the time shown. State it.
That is 11:08
